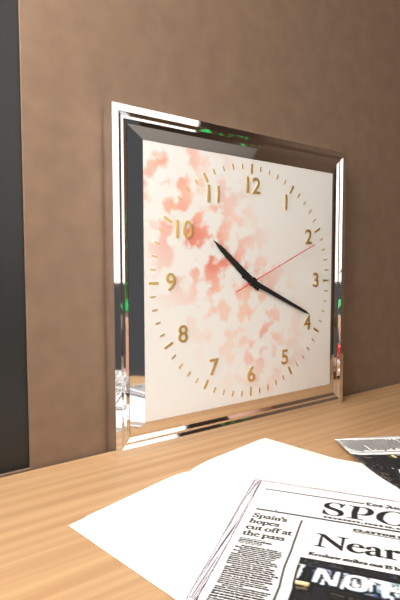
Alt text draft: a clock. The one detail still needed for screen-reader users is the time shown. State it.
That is 10:19:11
